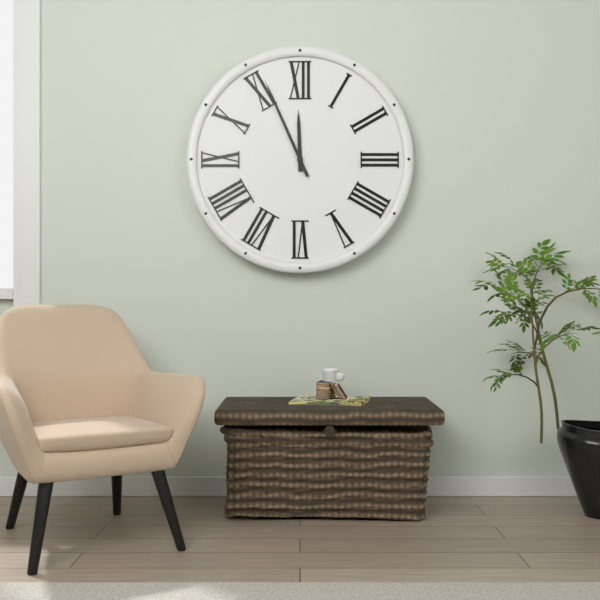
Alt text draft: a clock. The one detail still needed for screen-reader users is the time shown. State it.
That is 11:56
